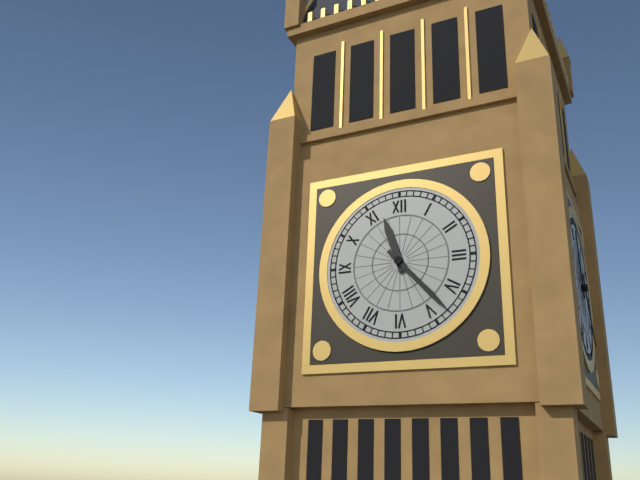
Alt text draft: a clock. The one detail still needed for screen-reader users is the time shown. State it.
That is 11:23
